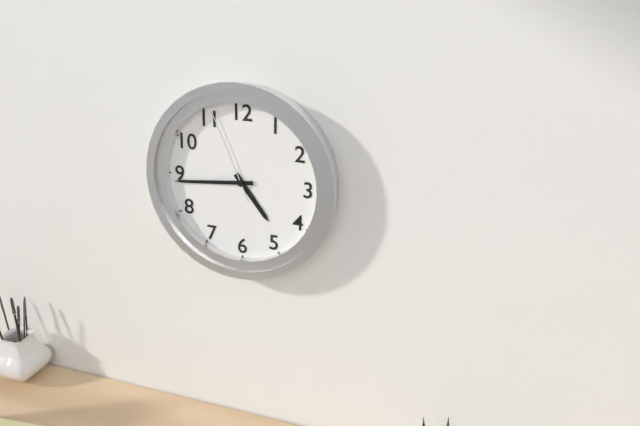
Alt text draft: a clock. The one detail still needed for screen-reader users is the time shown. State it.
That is 4:44:56
